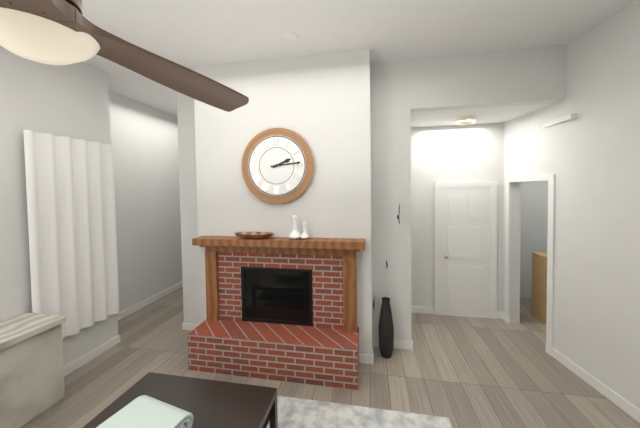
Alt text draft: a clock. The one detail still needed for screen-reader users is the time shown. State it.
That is 2:14
